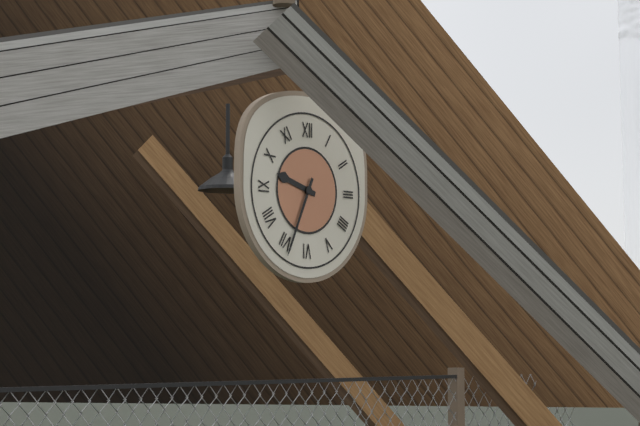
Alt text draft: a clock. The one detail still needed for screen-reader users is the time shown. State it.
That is 9:34
